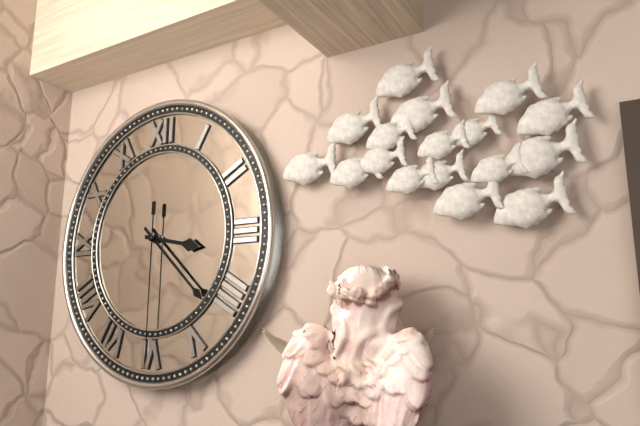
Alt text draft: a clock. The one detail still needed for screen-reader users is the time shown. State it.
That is 3:22:30
